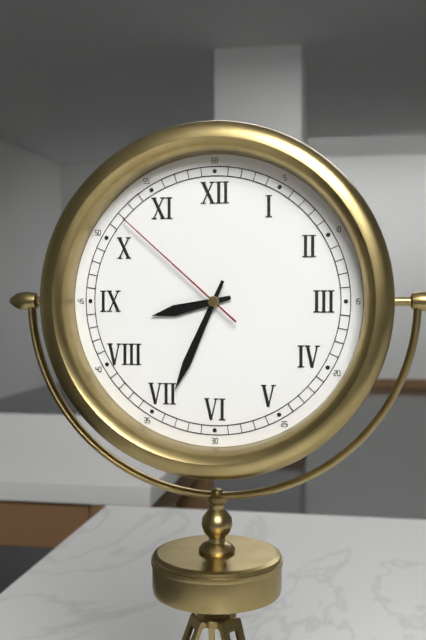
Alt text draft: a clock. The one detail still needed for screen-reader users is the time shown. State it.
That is 8:34:52
